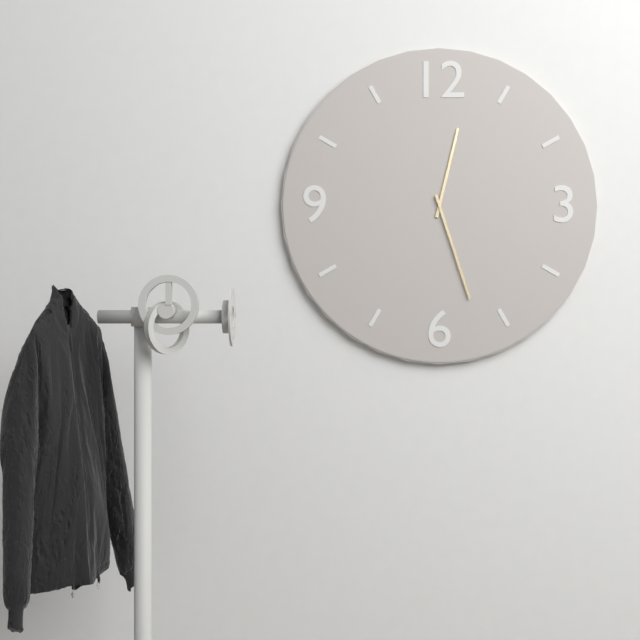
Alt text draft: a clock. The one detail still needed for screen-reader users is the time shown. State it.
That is 12:27
